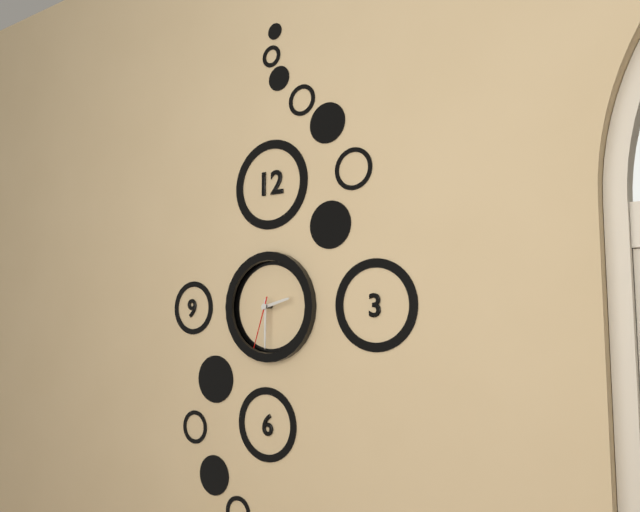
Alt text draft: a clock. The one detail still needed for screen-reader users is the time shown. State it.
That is 2:30:33
